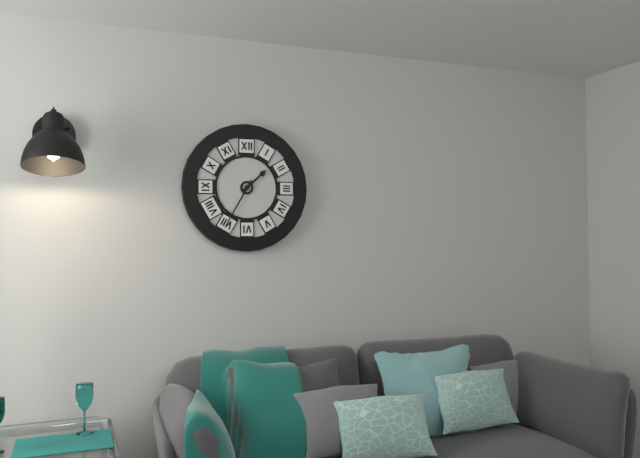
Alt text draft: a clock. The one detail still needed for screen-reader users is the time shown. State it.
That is 1:35
